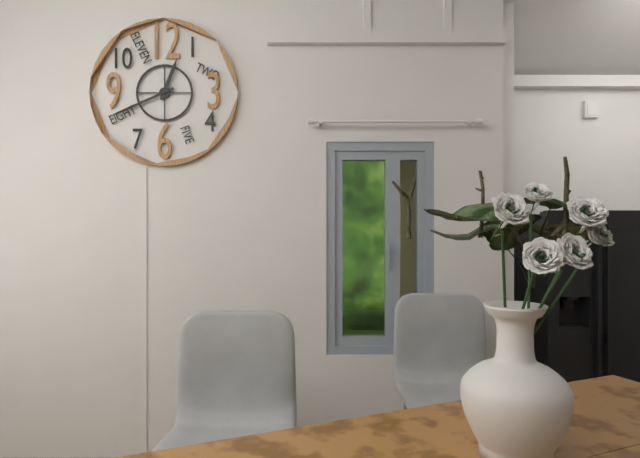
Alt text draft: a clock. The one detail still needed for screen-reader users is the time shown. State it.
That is 12:41
